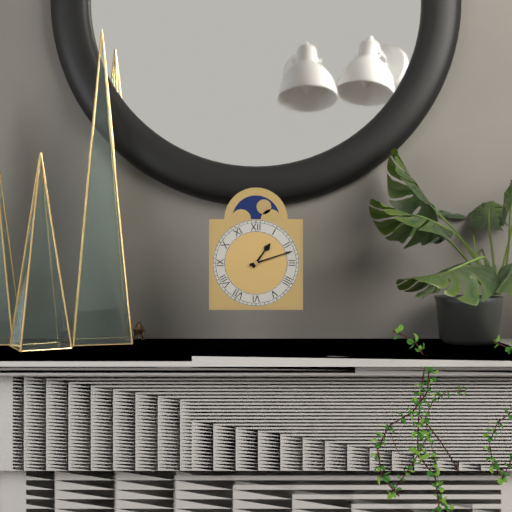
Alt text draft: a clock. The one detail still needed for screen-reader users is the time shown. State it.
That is 1:12
